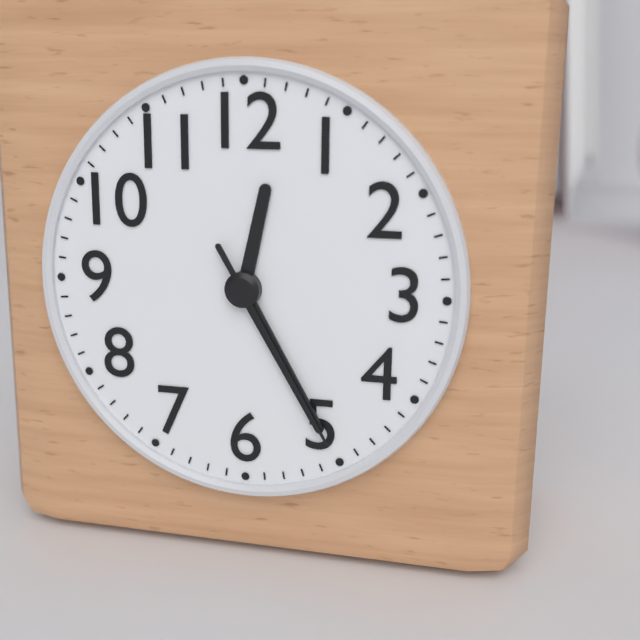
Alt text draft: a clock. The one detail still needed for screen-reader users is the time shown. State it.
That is 12:25:25
